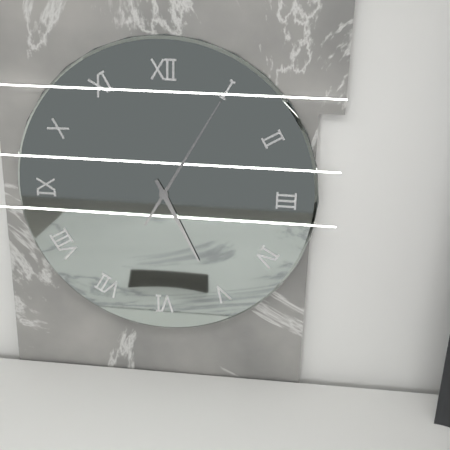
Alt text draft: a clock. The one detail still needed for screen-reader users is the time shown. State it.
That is 5:05
